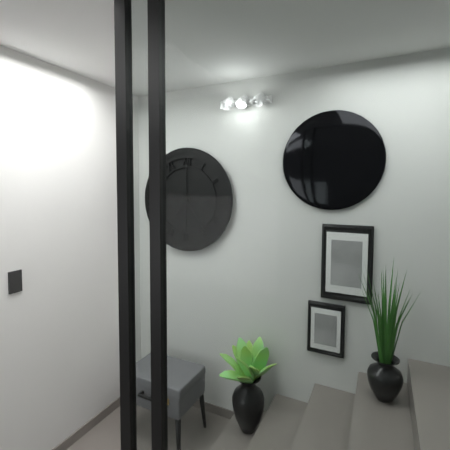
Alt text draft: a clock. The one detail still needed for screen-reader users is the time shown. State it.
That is 7:24
